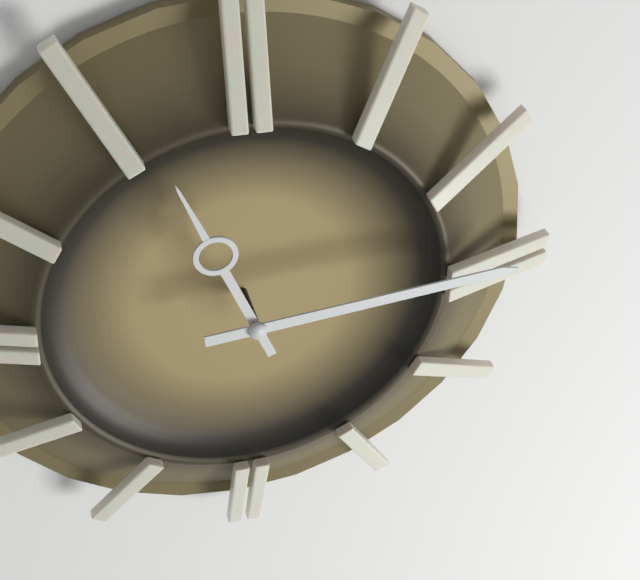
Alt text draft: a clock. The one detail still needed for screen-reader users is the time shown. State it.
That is 11:14
